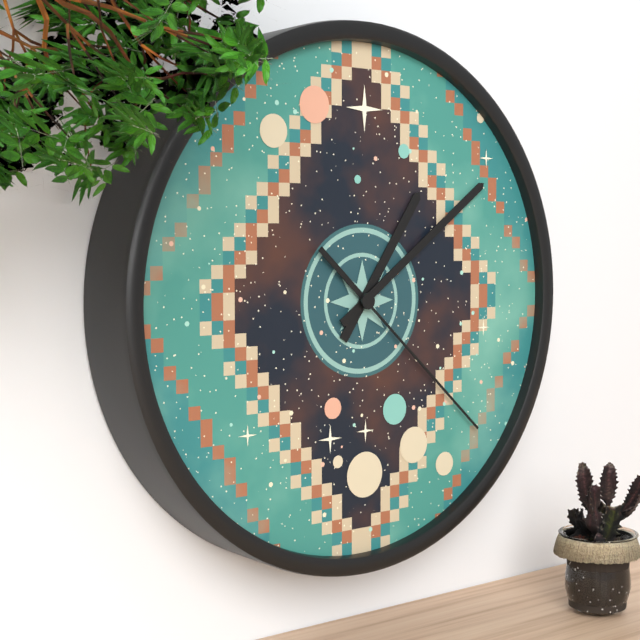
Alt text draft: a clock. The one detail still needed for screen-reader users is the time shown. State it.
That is 1:09:22
